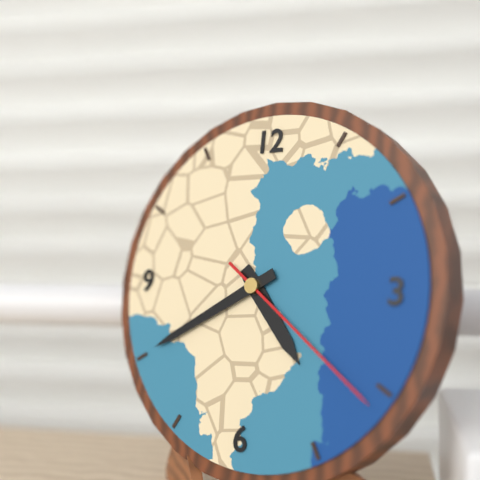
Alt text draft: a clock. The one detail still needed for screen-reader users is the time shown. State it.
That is 4:40:21
